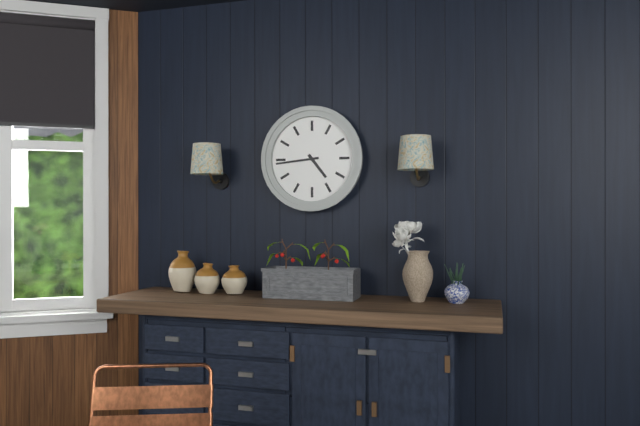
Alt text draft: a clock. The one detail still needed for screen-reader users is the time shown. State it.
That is 4:44
